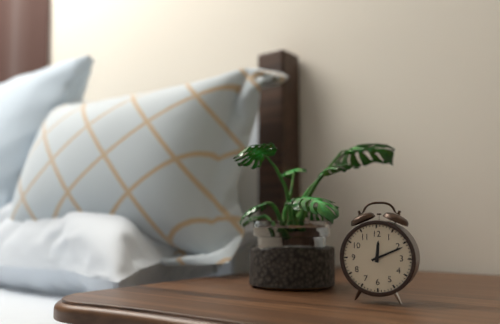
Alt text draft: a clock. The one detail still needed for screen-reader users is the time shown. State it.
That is 12:11
